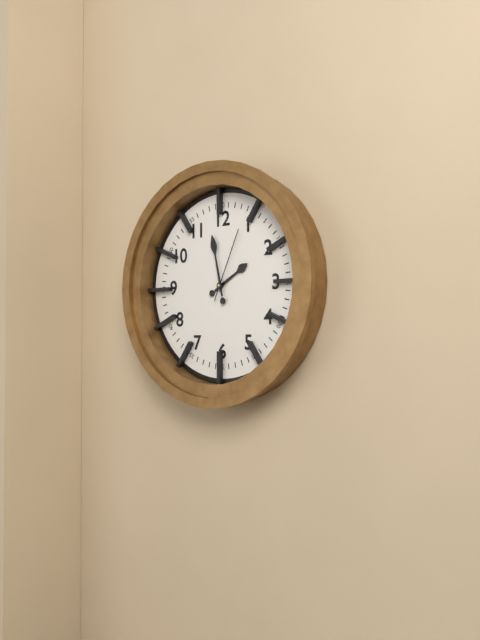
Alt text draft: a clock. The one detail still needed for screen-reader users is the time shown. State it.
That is 1:58:04
